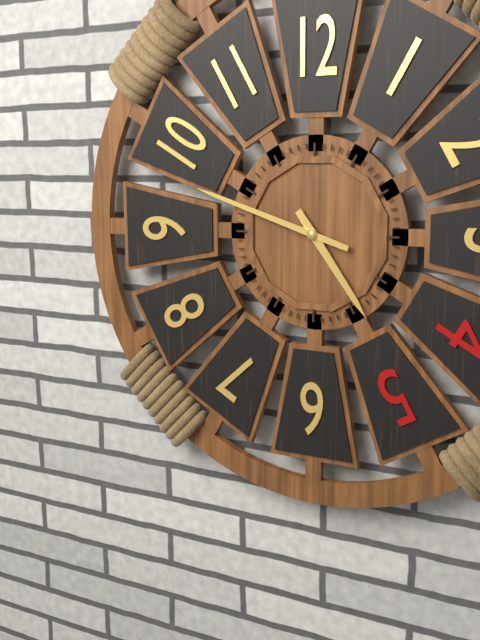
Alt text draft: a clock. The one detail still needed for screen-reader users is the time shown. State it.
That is 4:48
